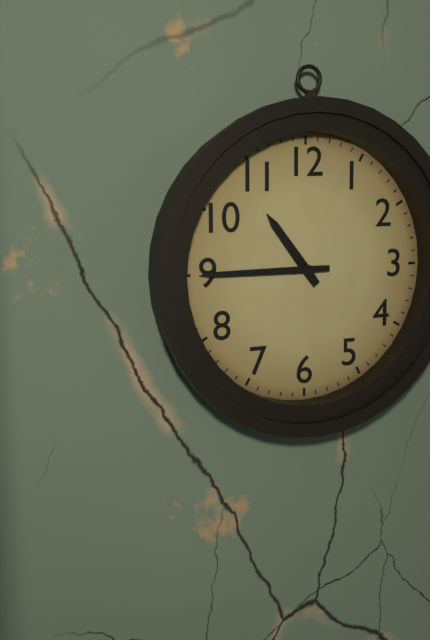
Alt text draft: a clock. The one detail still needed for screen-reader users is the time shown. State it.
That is 10:45
